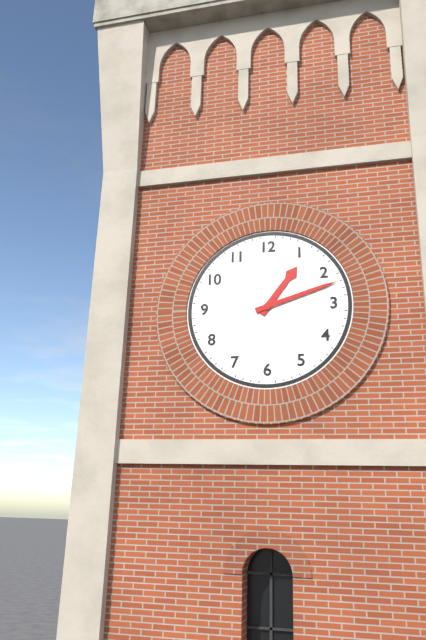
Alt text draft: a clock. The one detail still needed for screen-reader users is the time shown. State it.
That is 1:12
